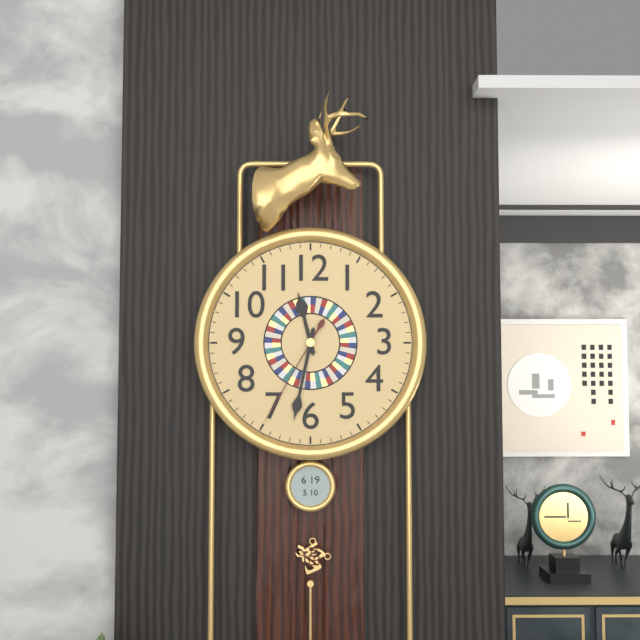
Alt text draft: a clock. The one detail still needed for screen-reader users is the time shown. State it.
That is 11:32:35
